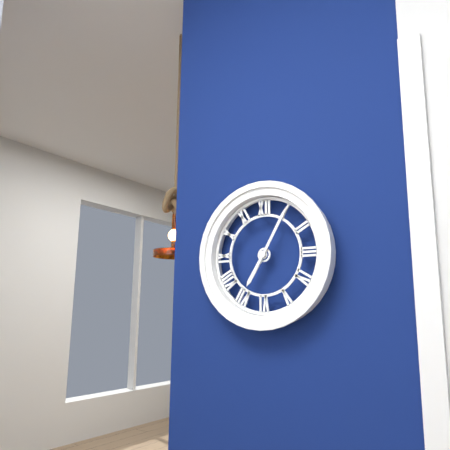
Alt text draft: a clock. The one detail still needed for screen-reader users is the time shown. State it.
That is 7:05
